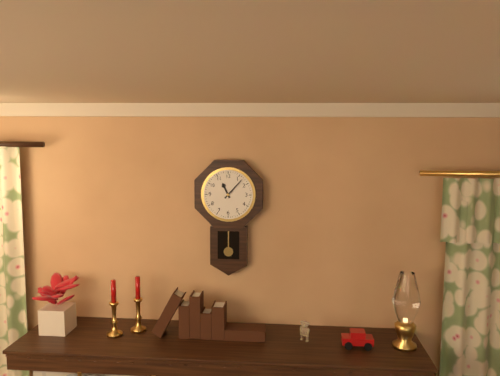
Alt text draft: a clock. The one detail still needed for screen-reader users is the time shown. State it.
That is 11:07
